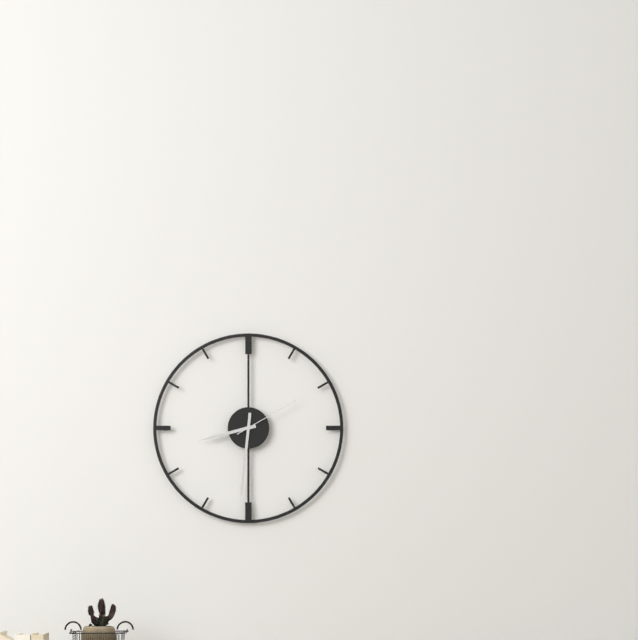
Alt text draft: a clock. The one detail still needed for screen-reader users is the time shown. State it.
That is 8:31:10
